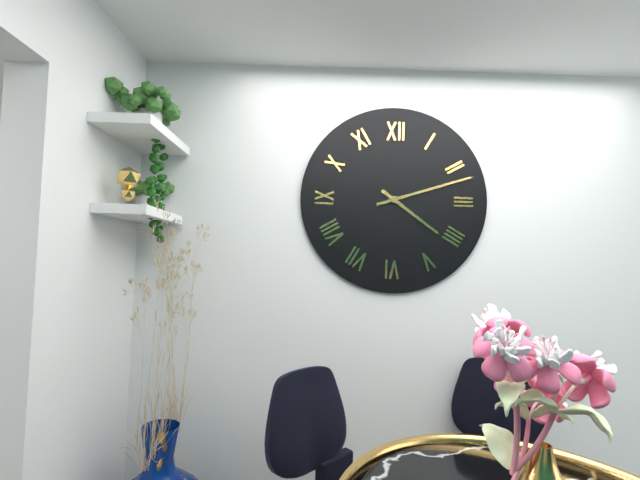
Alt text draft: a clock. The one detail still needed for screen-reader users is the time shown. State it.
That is 4:12
